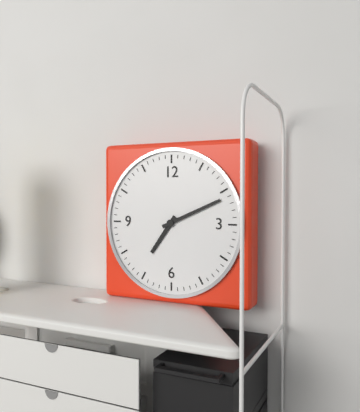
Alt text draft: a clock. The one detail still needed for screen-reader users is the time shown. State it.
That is 7:11
